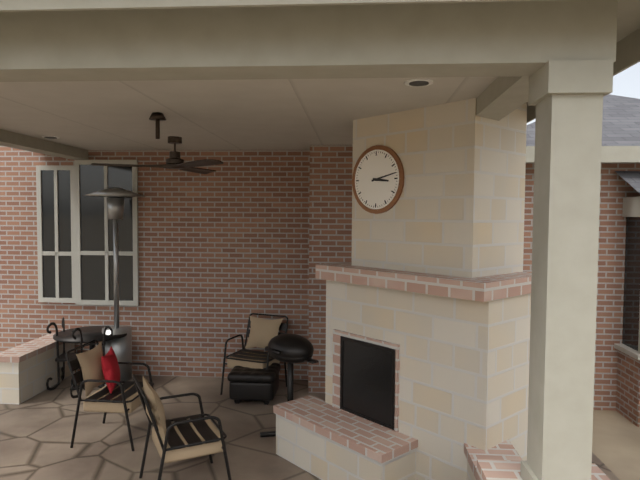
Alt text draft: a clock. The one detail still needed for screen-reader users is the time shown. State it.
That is 3:13
